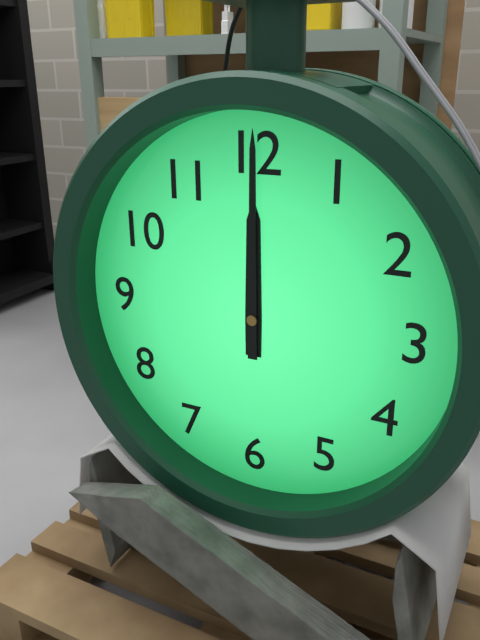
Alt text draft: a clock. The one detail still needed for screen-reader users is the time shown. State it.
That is 12:00
